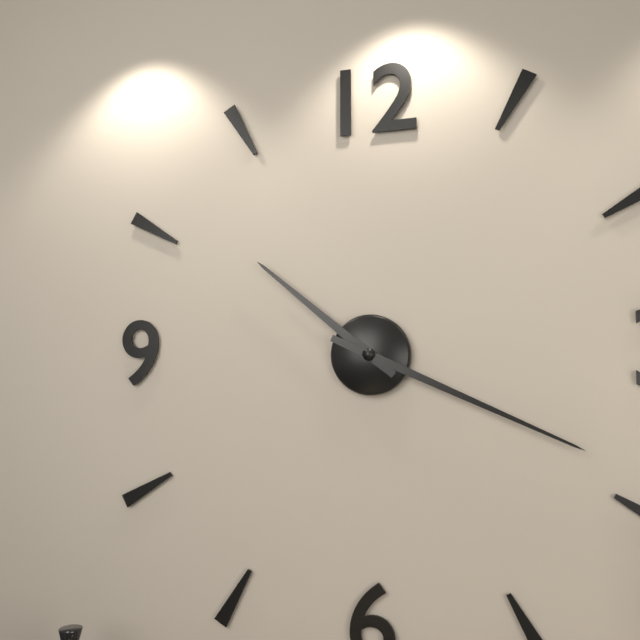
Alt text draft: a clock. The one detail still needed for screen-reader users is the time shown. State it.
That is 10:19
